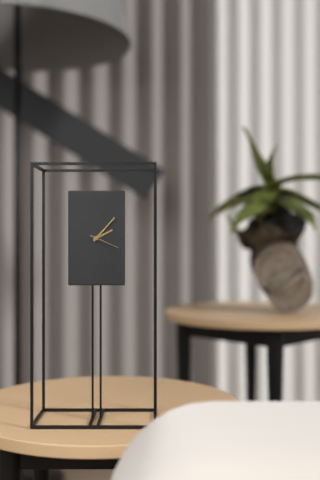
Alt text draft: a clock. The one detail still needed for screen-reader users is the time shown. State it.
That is 2:07
